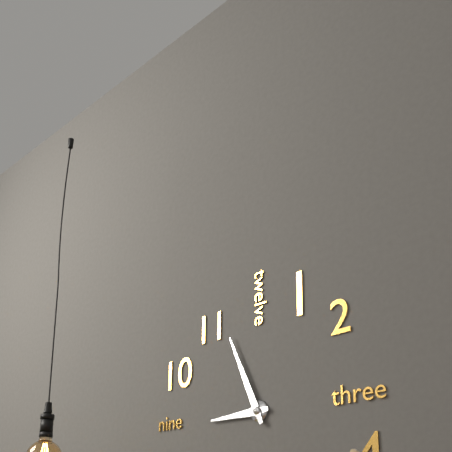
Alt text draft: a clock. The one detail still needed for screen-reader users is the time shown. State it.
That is 8:56
